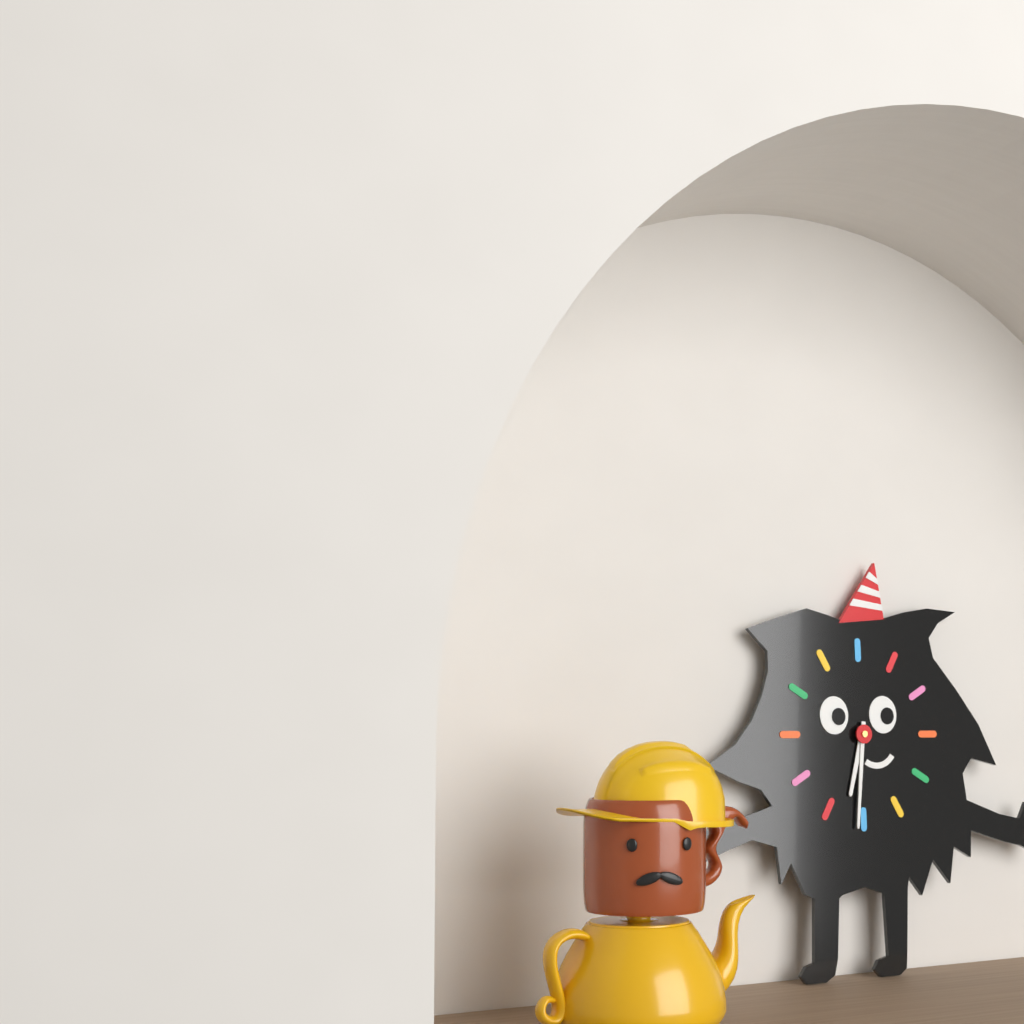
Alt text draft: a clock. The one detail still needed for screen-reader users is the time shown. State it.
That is 6:31
